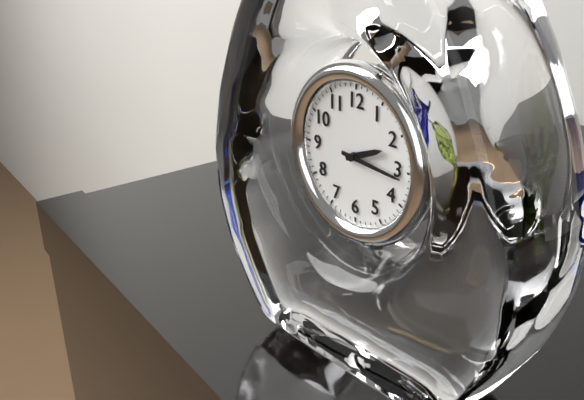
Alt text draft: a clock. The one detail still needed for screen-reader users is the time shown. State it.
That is 2:16
